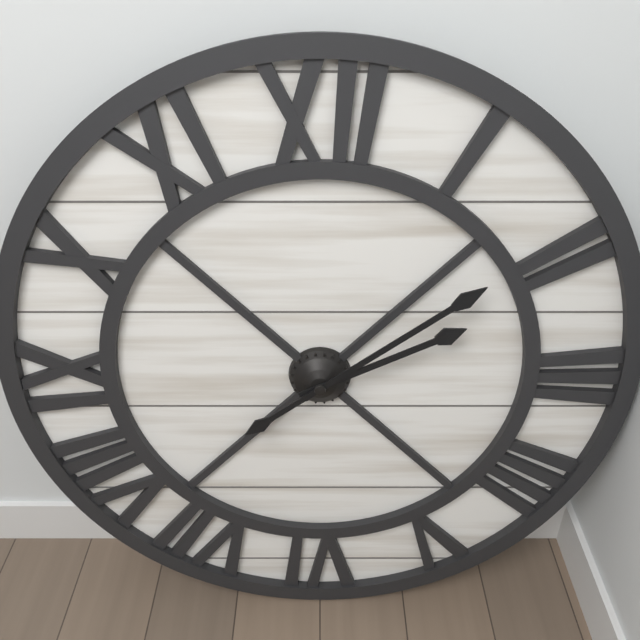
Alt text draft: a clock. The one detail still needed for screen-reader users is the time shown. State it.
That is 2:09
